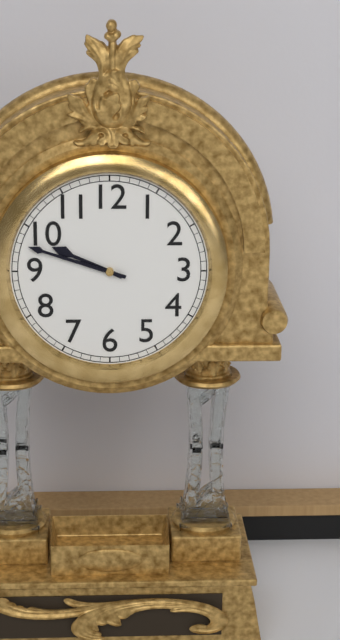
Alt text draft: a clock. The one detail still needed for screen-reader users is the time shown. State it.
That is 9:48
